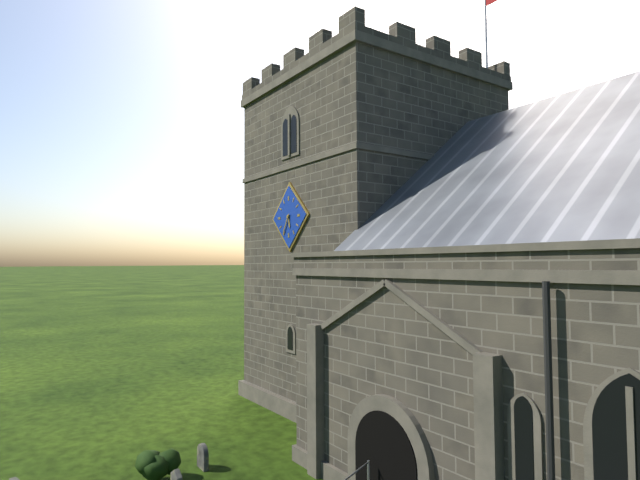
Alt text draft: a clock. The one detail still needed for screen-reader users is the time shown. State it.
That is 5:35
